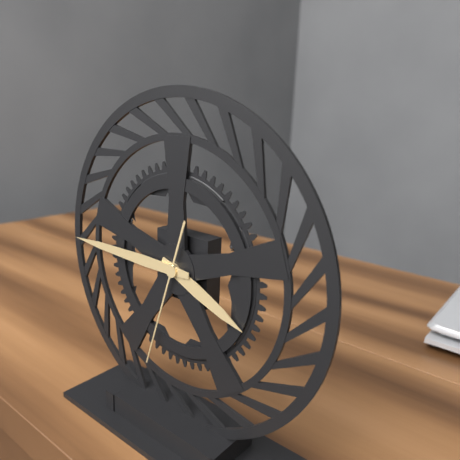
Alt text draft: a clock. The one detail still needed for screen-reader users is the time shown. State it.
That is 3:45:33
